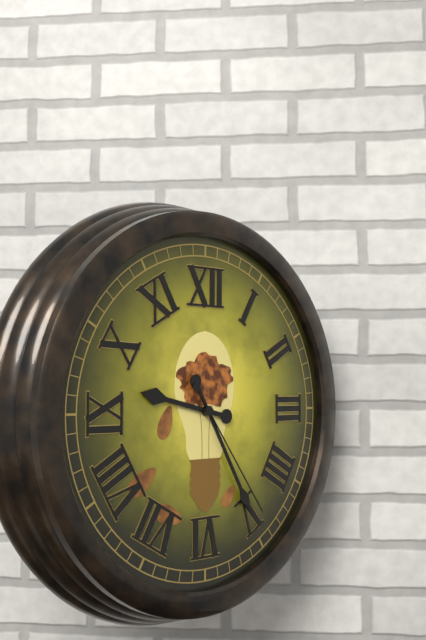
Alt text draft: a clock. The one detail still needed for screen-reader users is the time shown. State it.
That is 9:25:24
